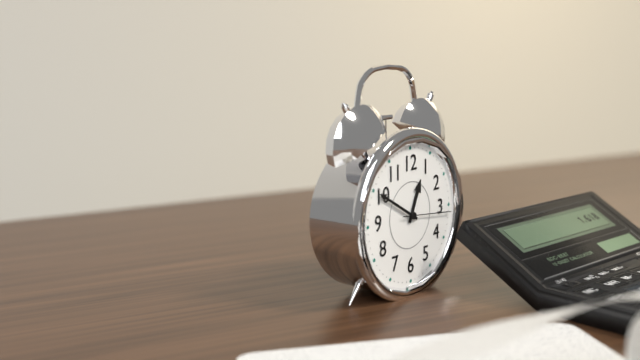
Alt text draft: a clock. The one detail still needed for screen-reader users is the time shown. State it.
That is 12:50
